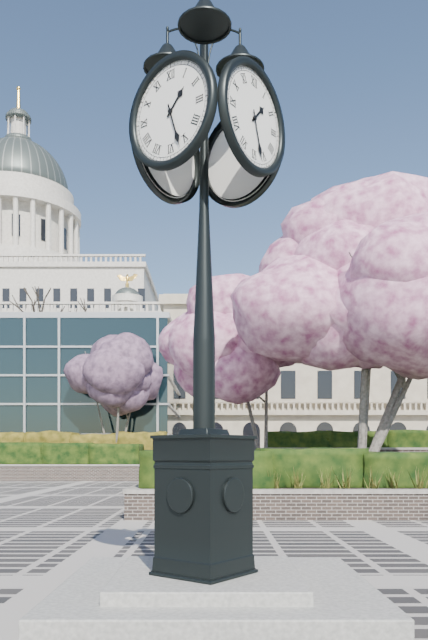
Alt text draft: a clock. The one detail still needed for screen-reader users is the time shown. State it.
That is 1:27
